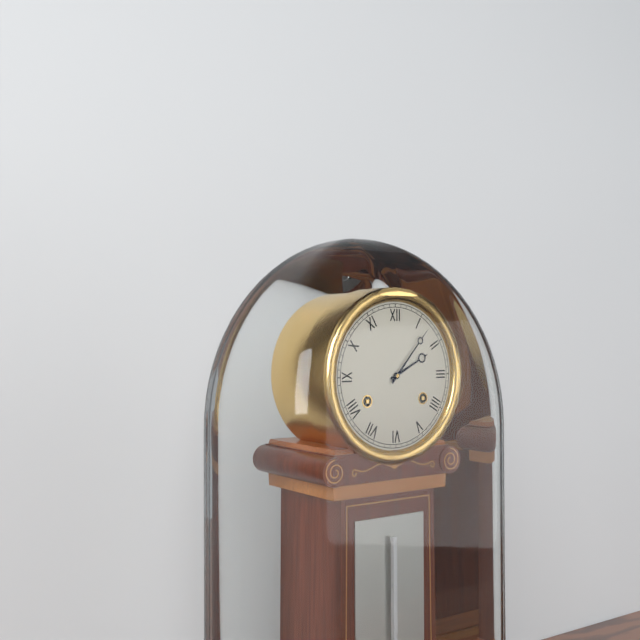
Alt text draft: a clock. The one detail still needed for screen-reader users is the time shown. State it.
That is 2:07
